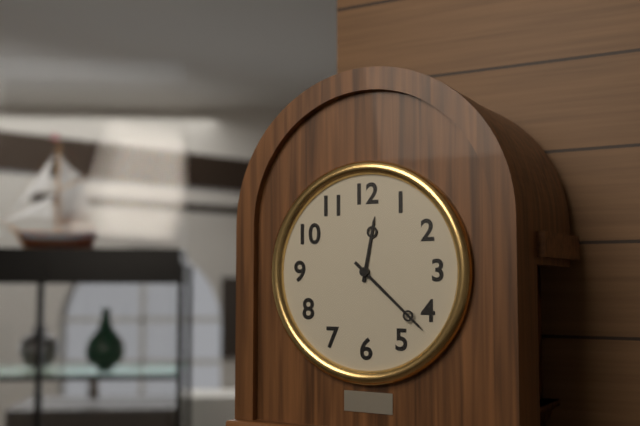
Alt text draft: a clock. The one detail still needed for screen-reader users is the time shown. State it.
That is 12:22
